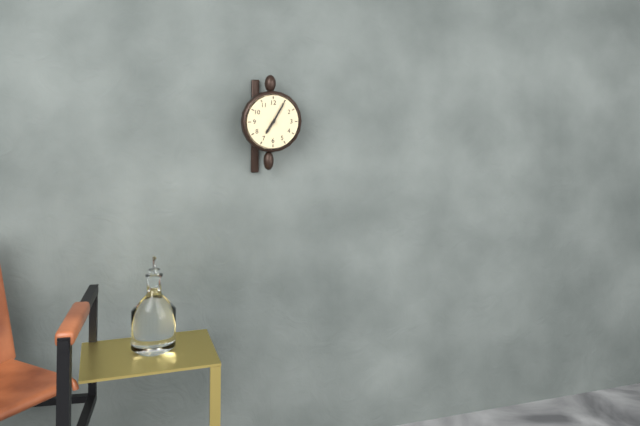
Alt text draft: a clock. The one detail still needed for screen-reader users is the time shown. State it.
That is 7:05
